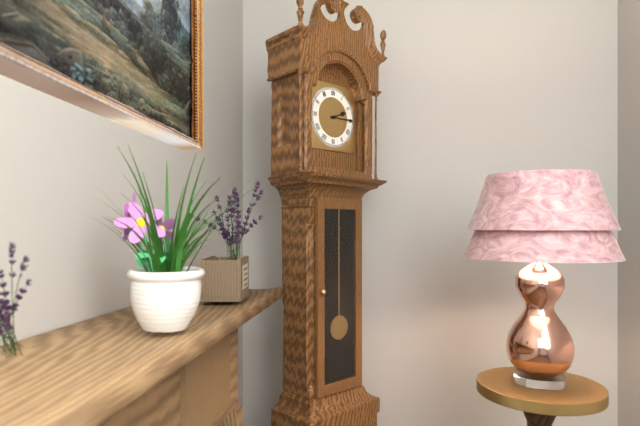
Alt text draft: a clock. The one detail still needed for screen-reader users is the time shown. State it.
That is 2:15
